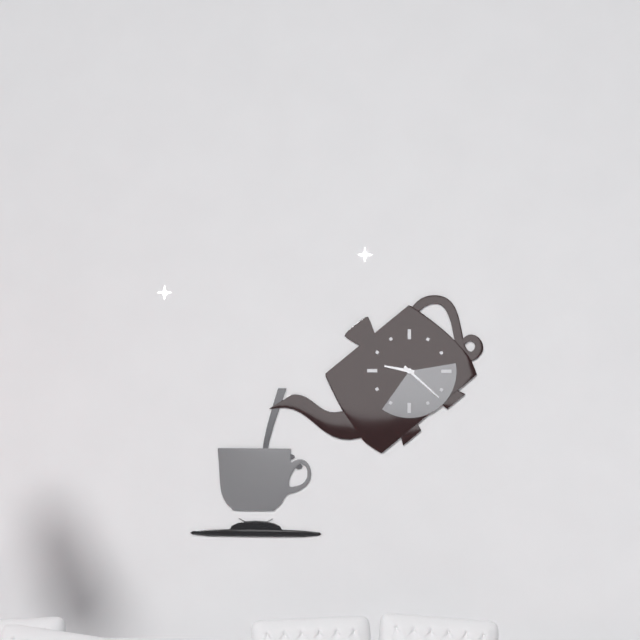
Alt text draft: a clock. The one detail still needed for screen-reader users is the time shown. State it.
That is 9:22
